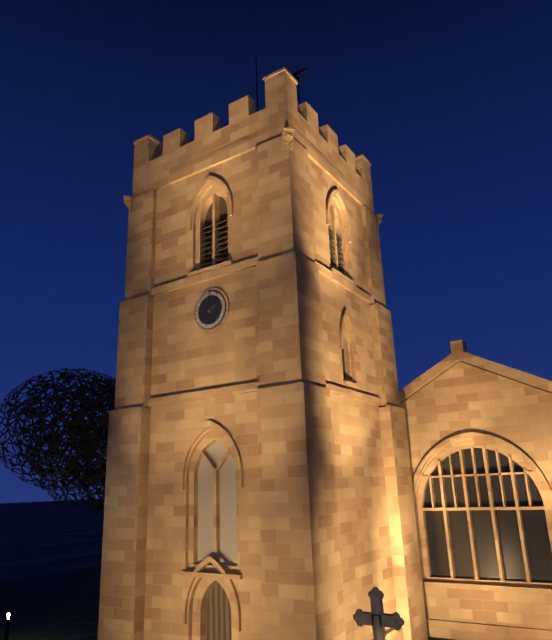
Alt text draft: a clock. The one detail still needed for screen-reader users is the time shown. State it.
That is 1:58
